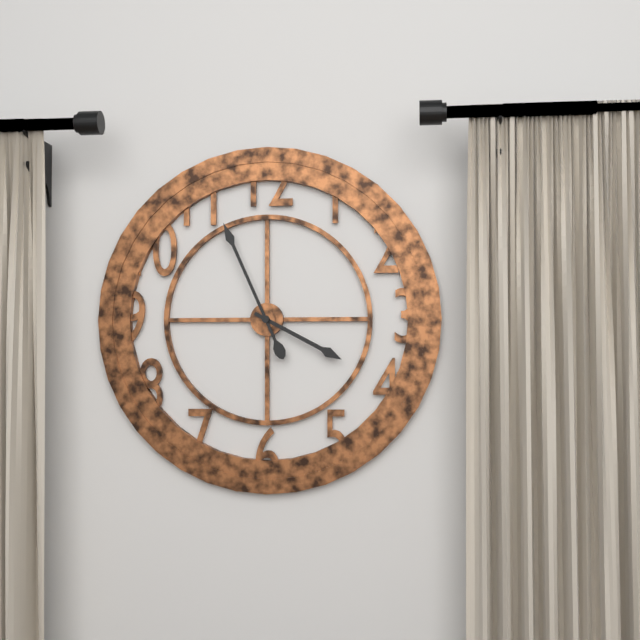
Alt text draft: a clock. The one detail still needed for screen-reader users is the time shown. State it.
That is 3:56
